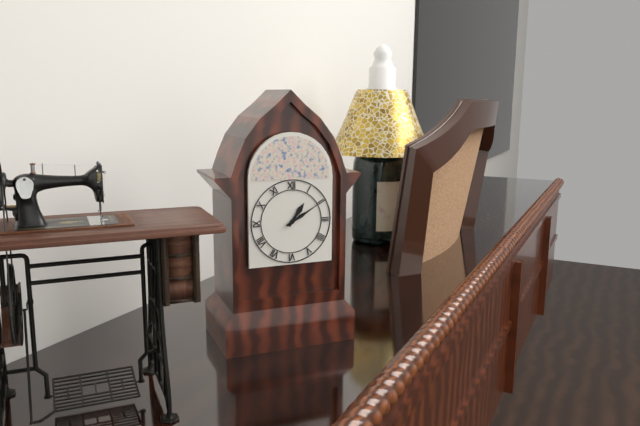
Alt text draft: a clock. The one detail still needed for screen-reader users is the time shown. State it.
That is 1:10
